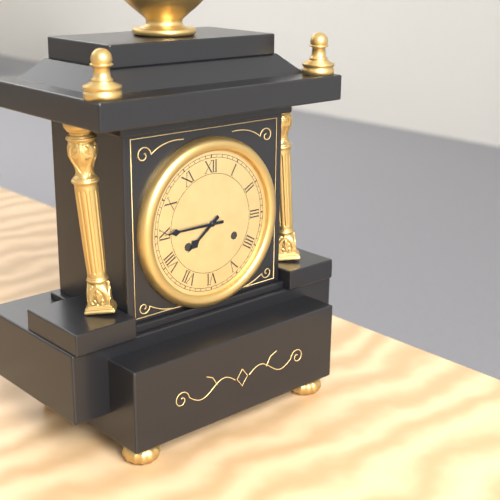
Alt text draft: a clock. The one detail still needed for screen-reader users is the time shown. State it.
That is 7:45
